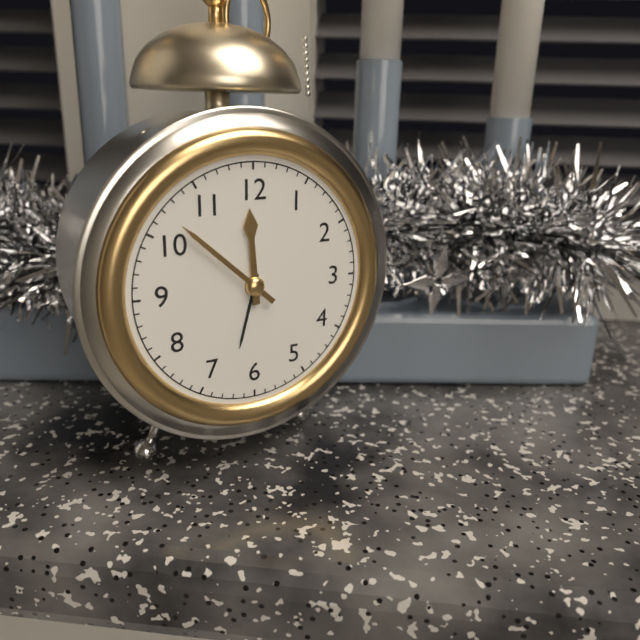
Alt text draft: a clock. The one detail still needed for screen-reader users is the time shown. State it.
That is 11:52
